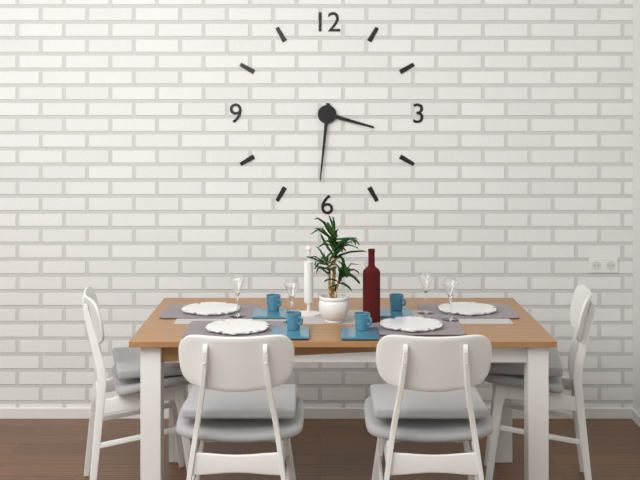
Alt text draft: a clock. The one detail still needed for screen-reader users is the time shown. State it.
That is 3:31
